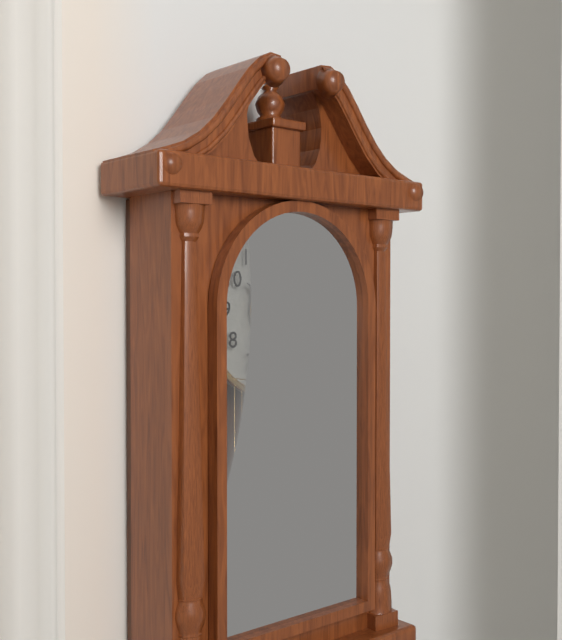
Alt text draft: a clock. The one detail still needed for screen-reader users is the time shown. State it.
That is 10:15
